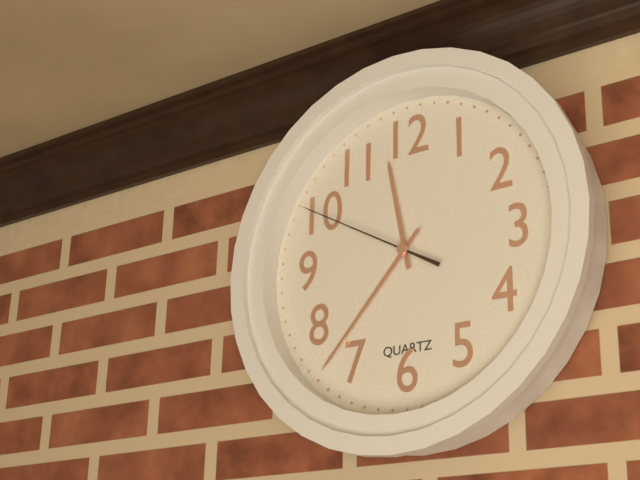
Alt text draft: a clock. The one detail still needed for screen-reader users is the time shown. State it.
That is 11:37:50
